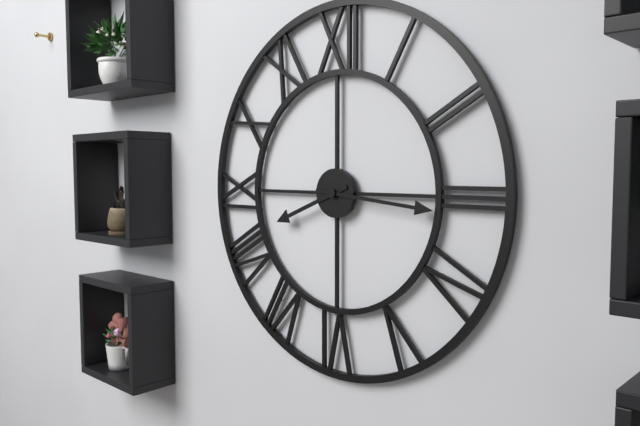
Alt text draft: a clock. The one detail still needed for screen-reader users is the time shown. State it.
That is 8:16
